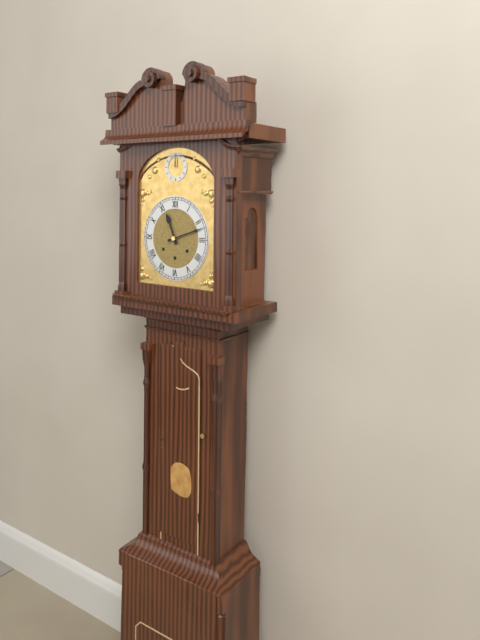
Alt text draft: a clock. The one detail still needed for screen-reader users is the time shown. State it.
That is 11:12
